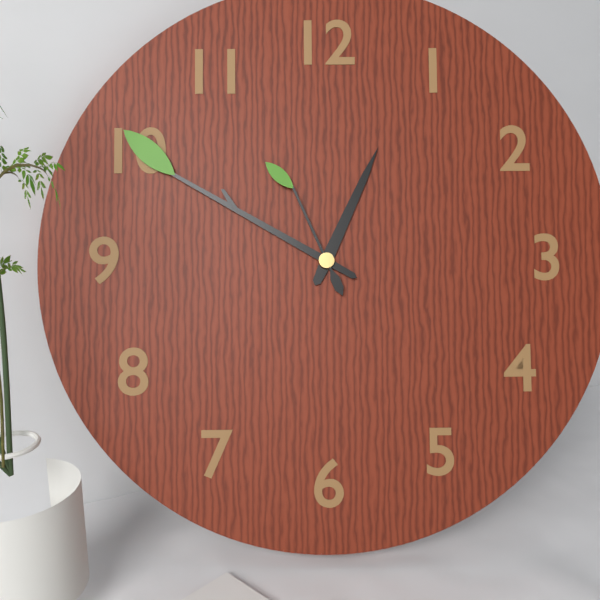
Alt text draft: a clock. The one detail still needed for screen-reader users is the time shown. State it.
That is 12:50:56
